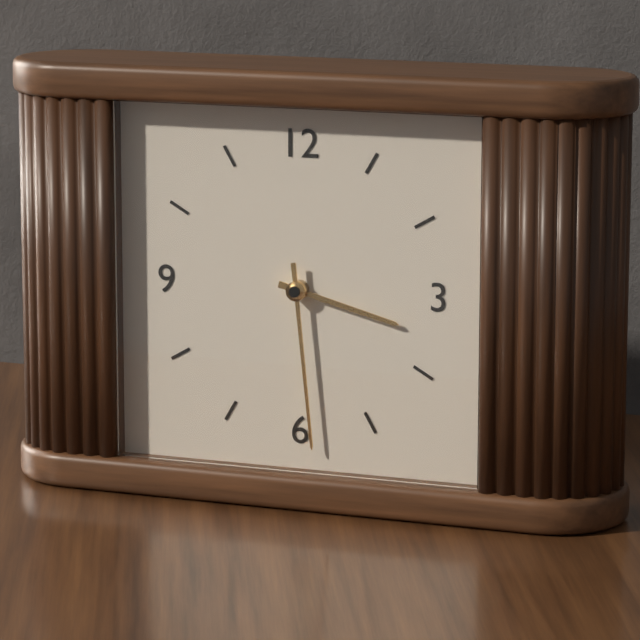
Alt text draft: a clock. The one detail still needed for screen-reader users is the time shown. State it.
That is 3:29
